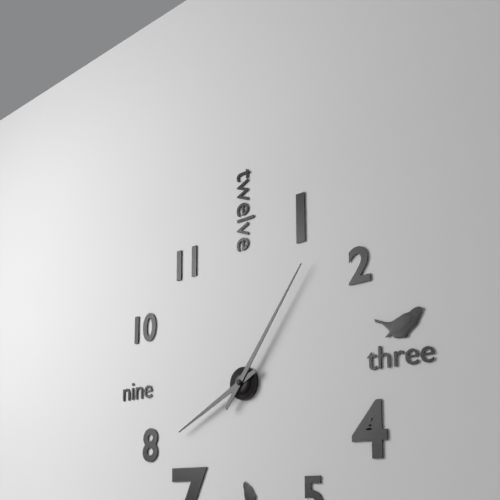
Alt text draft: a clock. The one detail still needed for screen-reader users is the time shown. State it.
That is 8:06
